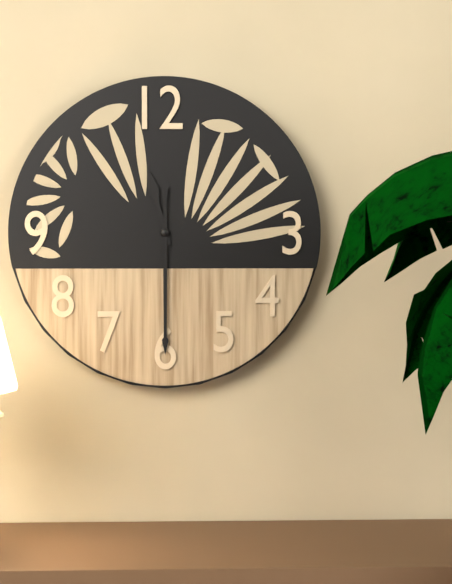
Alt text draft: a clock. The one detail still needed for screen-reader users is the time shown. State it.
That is 11:30
